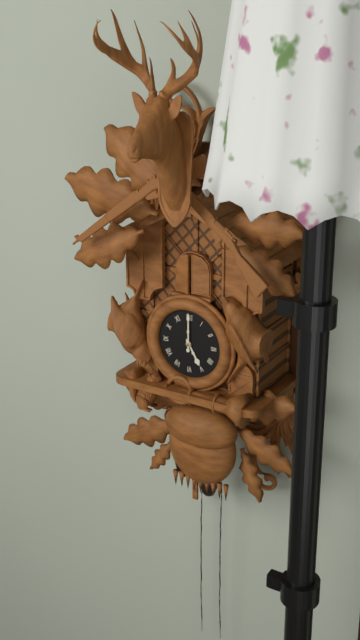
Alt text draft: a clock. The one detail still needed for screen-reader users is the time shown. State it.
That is 5:00
